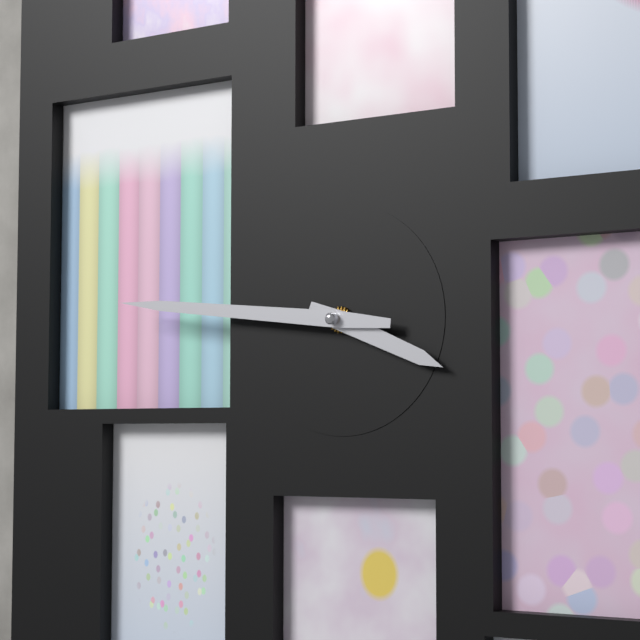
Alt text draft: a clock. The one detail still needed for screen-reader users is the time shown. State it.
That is 3:46
